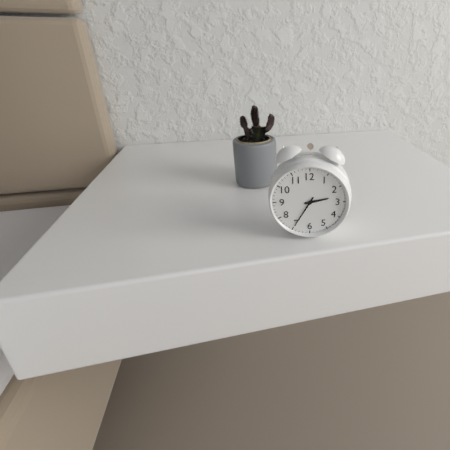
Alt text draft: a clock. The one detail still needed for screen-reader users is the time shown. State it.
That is 2:35
